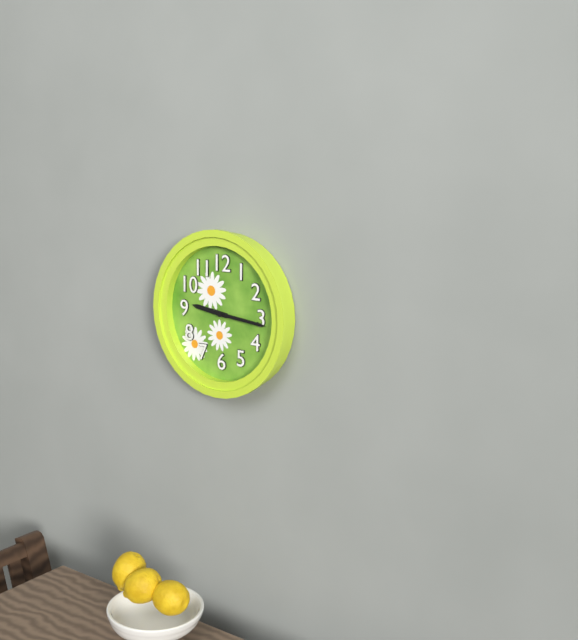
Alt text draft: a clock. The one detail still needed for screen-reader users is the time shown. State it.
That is 9:16
